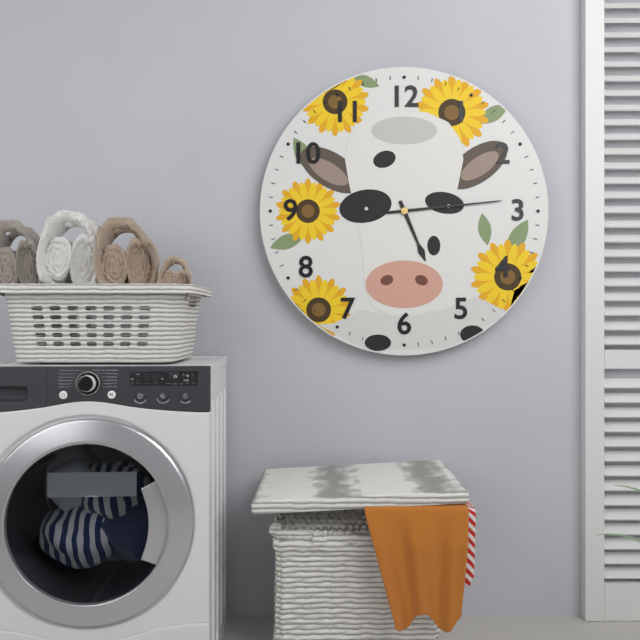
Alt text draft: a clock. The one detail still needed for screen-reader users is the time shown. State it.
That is 5:14
